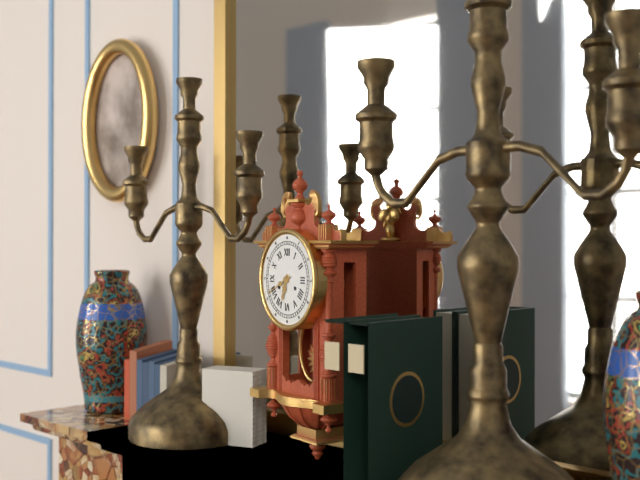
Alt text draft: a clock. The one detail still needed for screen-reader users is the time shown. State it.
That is 6:41
